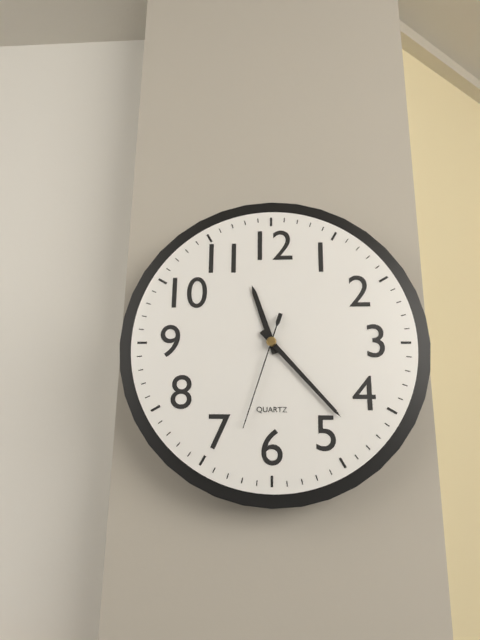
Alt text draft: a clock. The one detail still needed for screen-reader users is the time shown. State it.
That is 11:23:33
